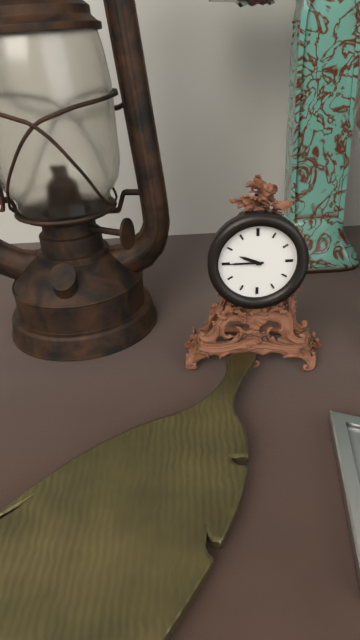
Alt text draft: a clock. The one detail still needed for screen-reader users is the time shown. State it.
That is 9:45
